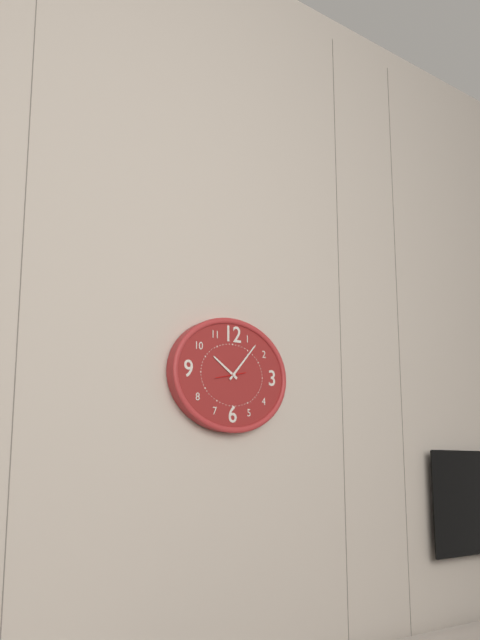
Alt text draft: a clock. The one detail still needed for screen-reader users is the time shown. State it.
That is 10:07
